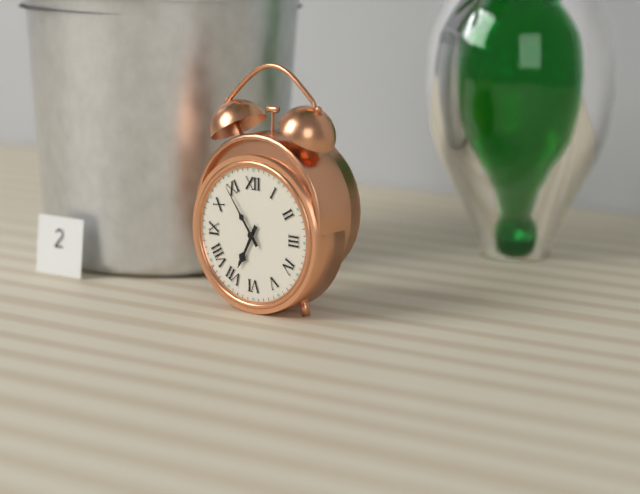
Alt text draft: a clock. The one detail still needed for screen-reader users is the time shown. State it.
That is 6:54
